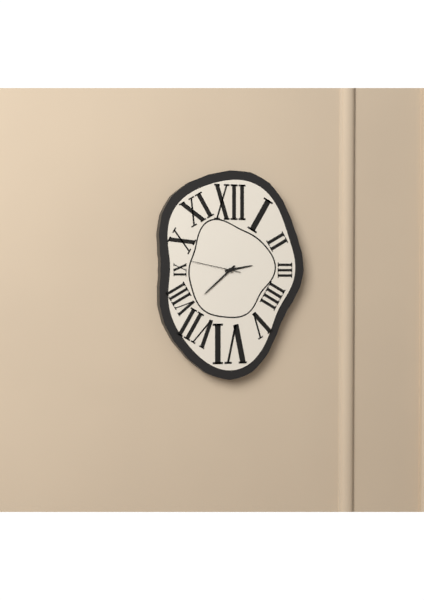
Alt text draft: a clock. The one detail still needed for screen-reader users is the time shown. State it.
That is 2:38
